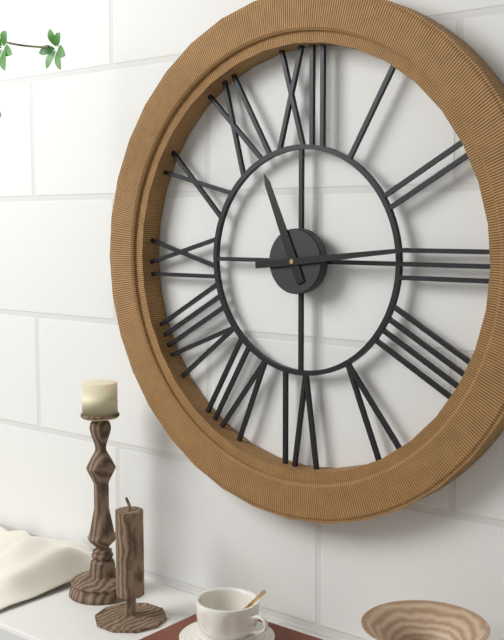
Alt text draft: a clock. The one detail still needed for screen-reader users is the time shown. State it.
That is 11:14
